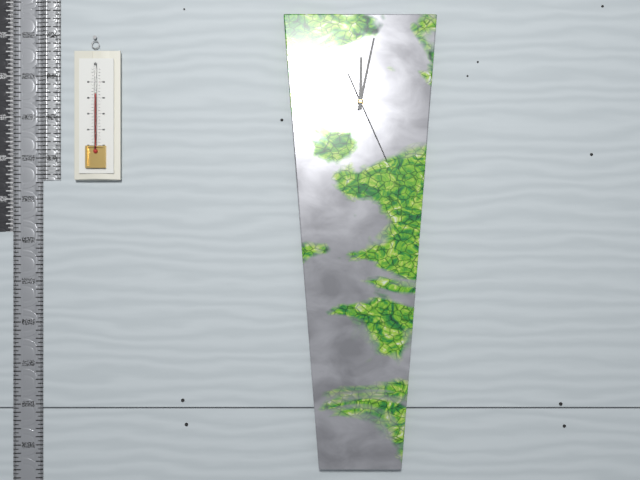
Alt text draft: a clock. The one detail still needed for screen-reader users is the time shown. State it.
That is 12:02:26
